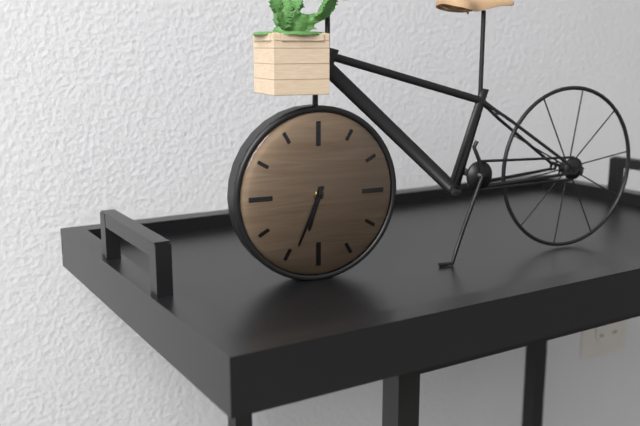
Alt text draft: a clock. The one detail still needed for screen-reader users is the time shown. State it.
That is 6:34
